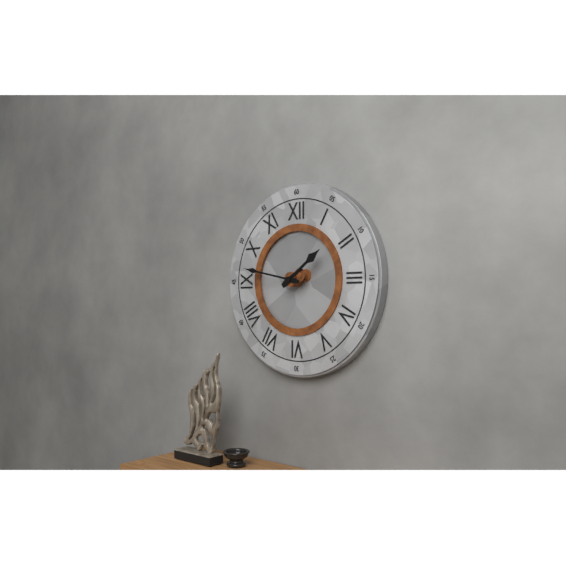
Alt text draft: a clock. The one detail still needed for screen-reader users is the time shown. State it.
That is 1:47
